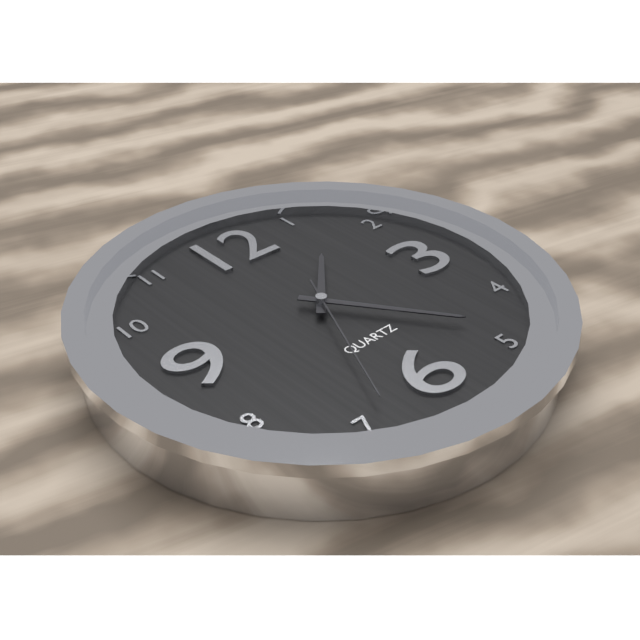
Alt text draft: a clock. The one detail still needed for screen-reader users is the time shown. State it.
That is 1:24:34
